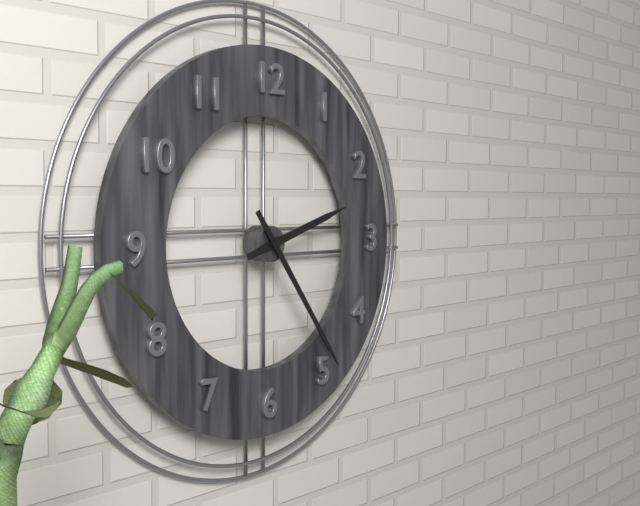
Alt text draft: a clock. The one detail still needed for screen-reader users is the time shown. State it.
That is 2:24
